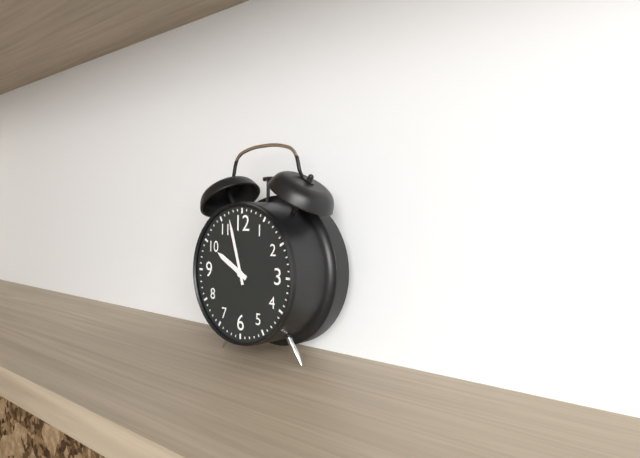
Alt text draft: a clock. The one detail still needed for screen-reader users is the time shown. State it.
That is 9:57
